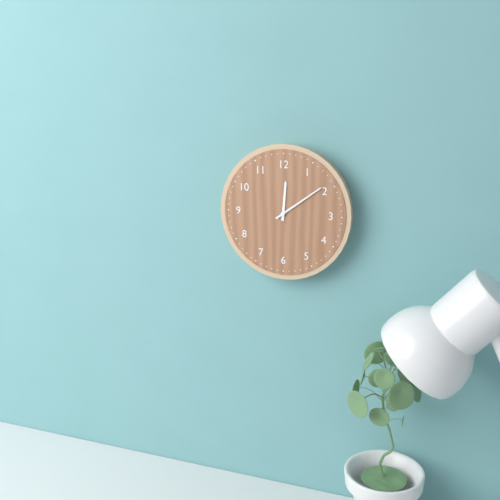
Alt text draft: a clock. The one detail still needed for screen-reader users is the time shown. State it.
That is 12:09
